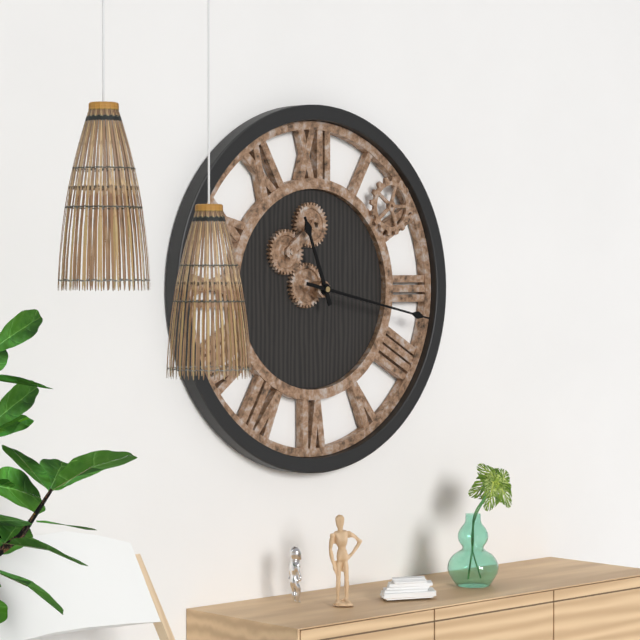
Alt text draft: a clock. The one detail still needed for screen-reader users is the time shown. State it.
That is 11:17
